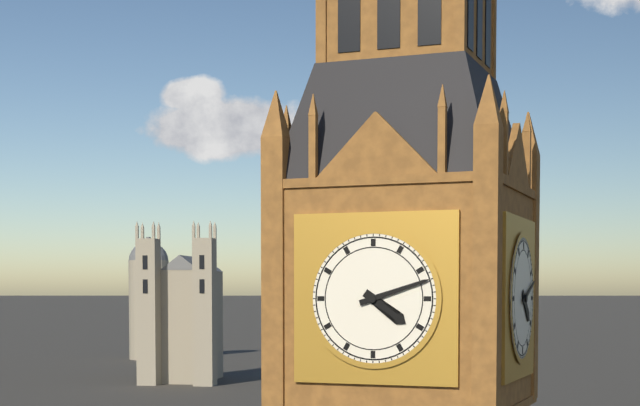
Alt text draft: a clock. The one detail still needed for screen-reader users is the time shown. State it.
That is 4:12
